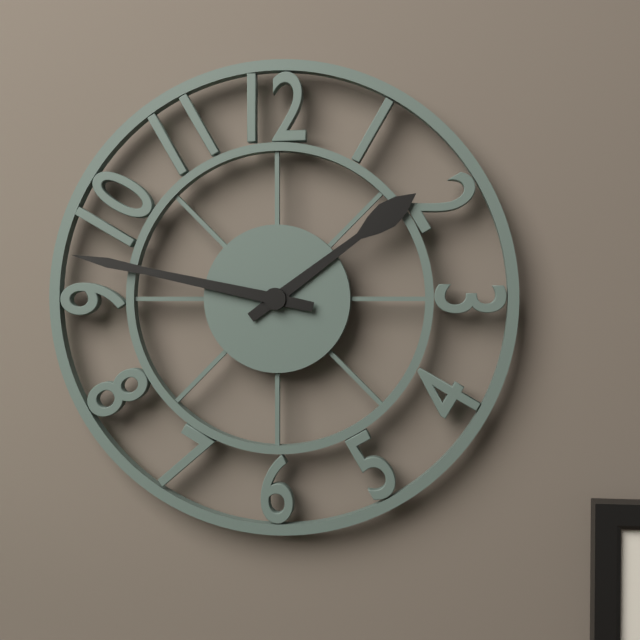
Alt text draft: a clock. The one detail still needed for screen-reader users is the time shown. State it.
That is 1:47
